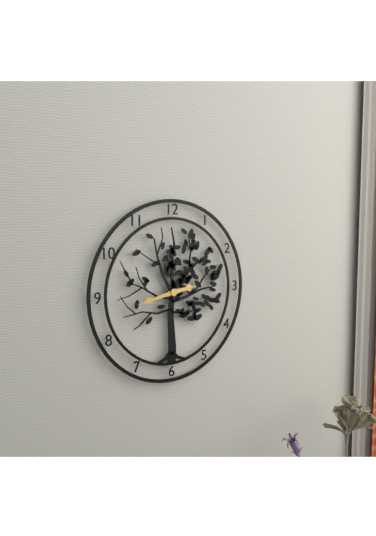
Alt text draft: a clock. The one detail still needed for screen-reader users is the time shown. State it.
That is 2:43
